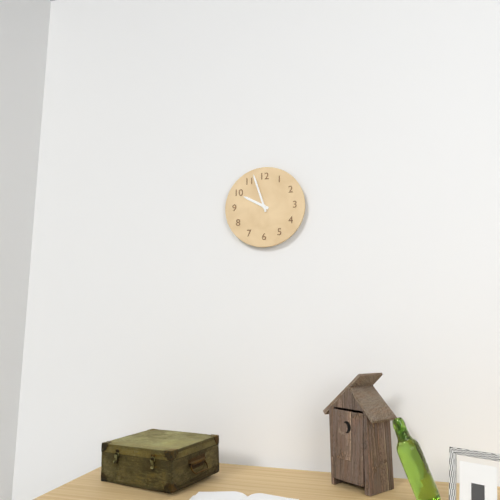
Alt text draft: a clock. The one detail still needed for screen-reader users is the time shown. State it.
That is 9:57
